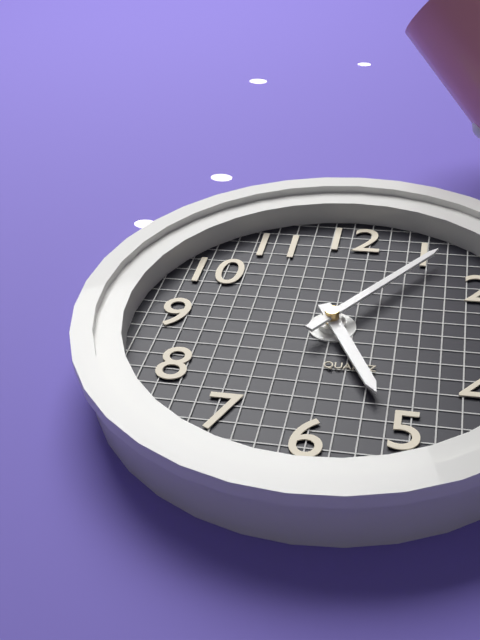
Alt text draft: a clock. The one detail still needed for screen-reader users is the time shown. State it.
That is 5:06
